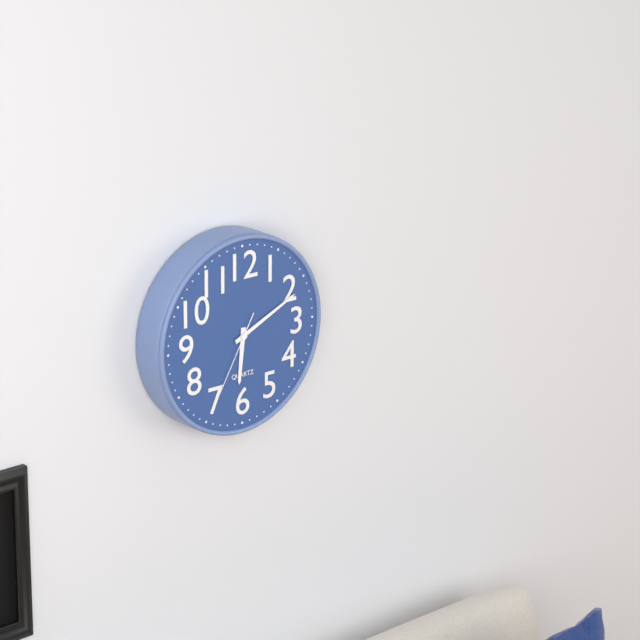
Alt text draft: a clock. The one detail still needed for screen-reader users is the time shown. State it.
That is 6:11:35
